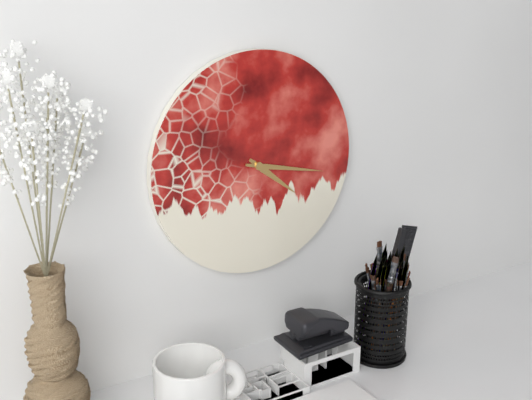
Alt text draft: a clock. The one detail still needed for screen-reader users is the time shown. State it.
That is 4:17
